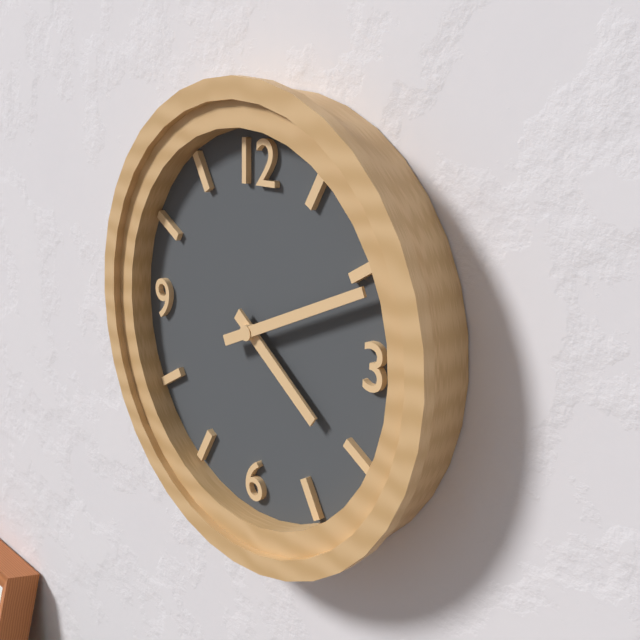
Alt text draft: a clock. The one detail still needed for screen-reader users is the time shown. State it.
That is 4:11
